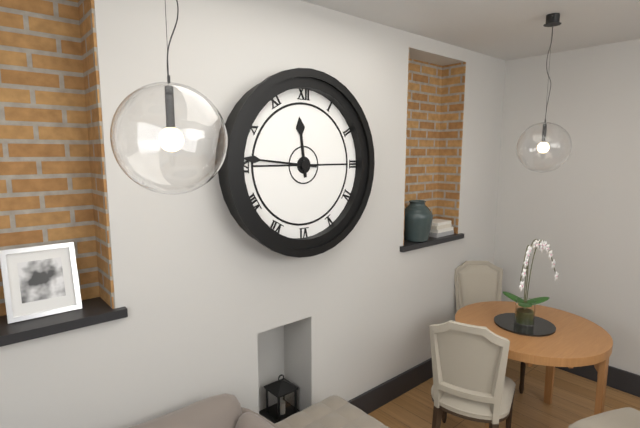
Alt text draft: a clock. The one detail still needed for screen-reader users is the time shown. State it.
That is 11:46
